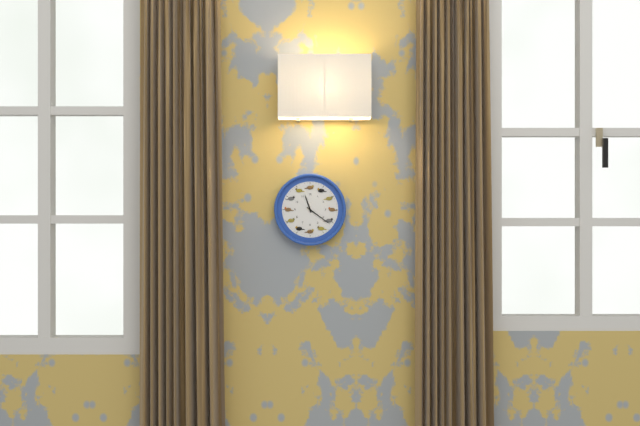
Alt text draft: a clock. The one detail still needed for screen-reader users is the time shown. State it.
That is 11:21
